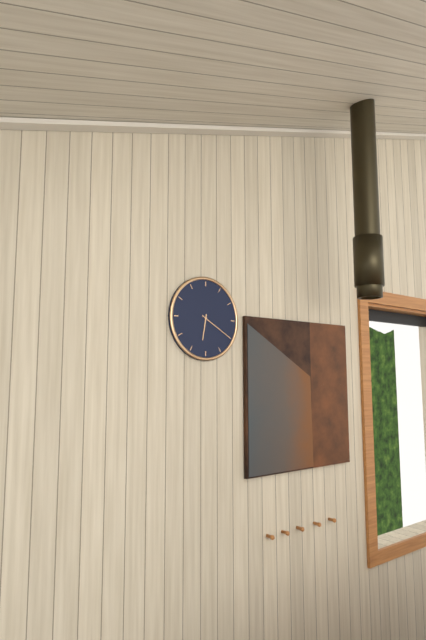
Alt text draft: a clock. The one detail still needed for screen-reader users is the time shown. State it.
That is 6:20
